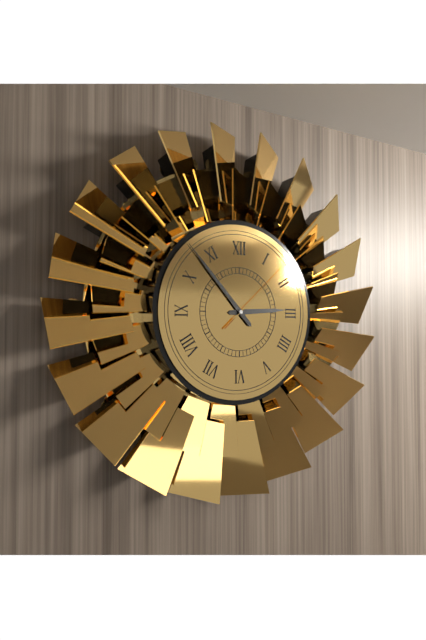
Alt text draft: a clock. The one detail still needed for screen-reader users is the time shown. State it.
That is 2:53:08
